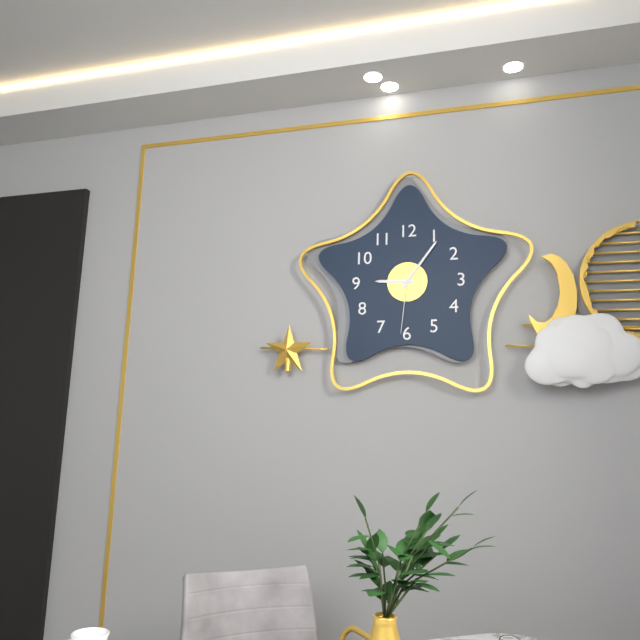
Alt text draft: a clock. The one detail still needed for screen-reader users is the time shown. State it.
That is 9:06:31
